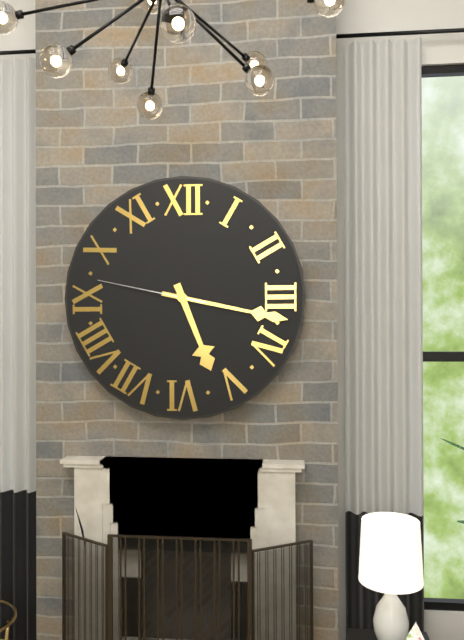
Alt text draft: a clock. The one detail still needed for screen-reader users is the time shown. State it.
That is 5:17:47
